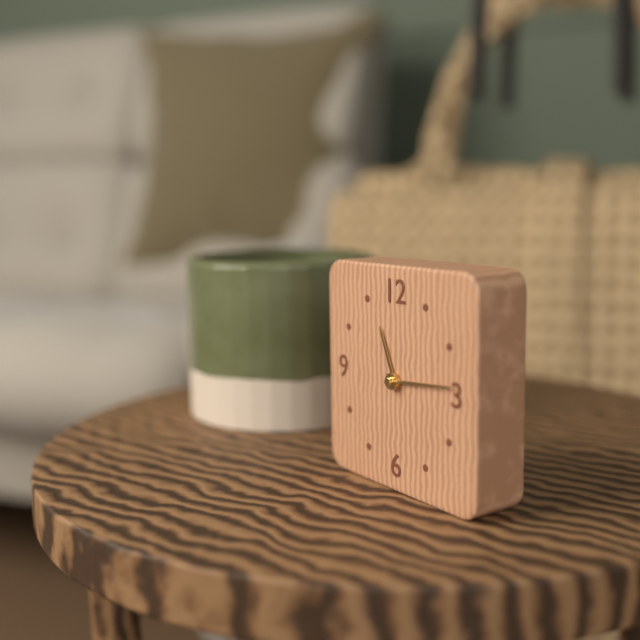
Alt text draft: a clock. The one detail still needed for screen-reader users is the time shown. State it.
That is 11:14
